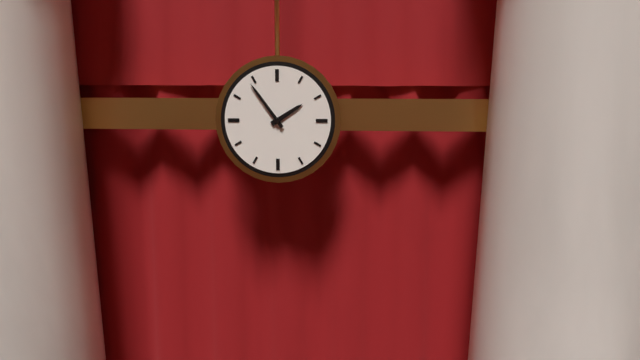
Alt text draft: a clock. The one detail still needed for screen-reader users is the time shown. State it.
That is 1:54
